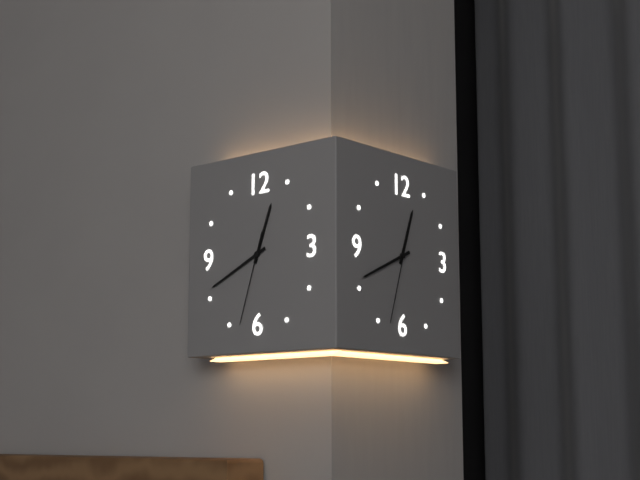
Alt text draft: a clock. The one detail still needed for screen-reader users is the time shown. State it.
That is 12:41:33
